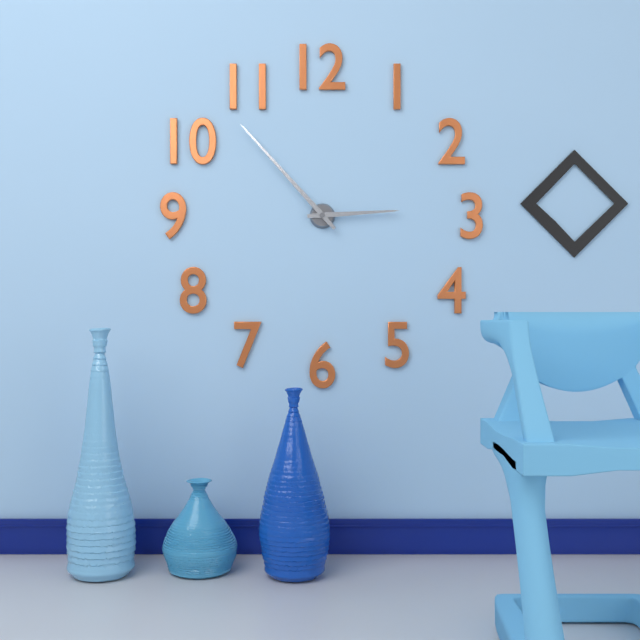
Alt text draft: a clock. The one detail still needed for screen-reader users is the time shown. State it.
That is 2:53
